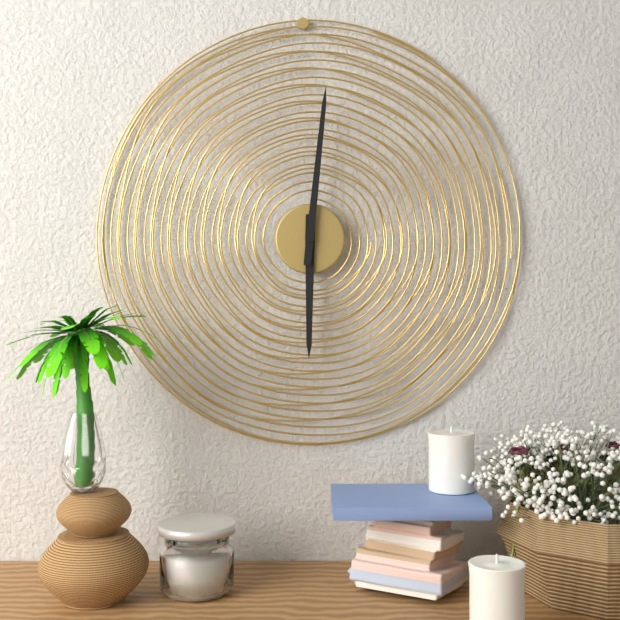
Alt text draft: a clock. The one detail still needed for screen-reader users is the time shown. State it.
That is 6:01
